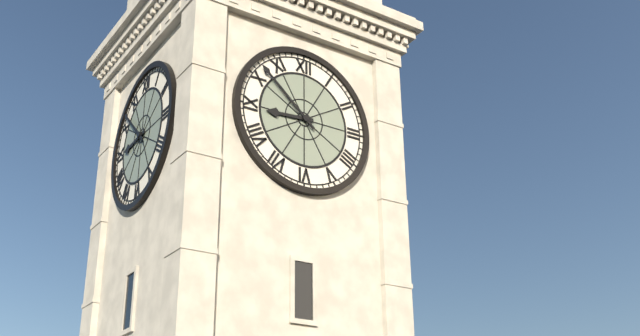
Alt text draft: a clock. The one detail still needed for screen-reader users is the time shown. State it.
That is 8:52
